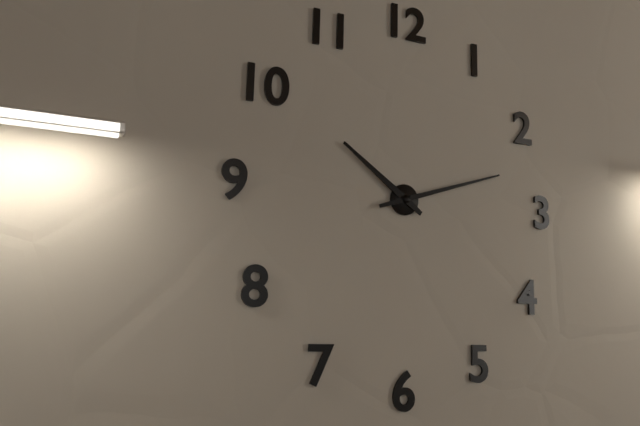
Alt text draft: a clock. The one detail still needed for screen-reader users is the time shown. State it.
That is 10:12
